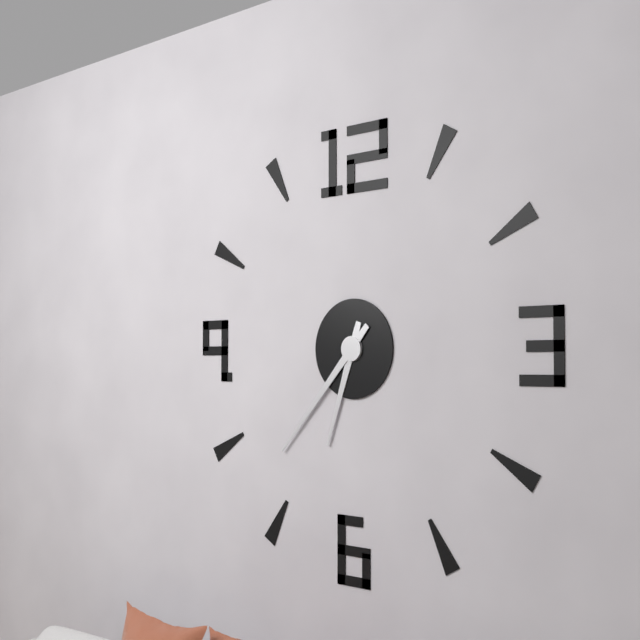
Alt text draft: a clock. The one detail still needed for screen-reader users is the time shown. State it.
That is 6:37
